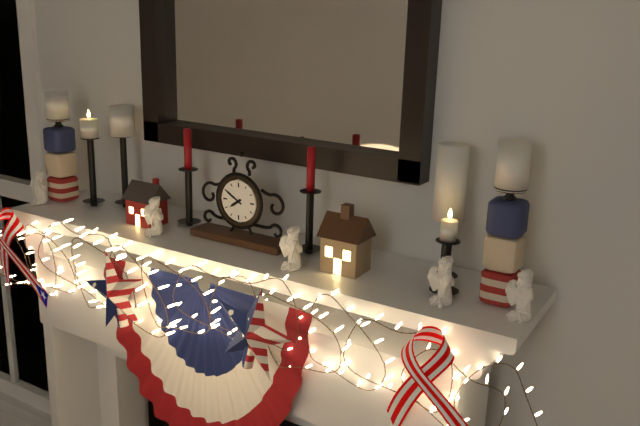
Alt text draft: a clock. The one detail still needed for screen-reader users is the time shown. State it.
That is 7:50
